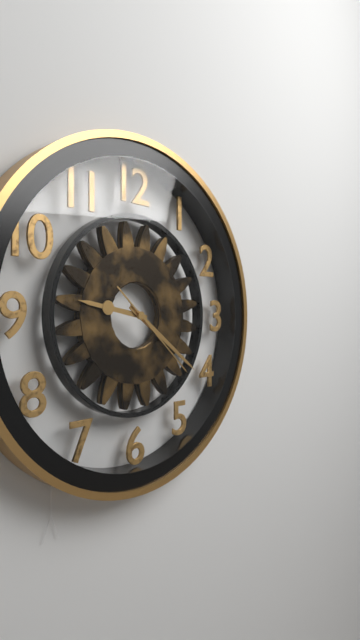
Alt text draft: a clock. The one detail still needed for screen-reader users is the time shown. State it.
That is 9:21:22
